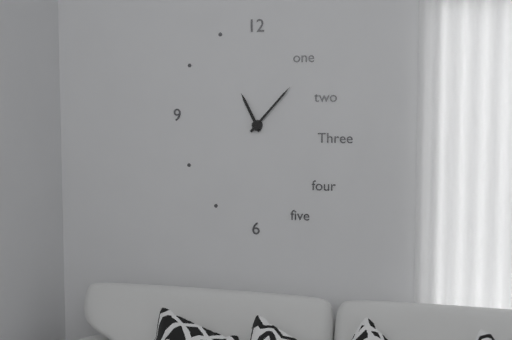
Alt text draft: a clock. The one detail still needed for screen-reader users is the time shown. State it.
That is 11:07
